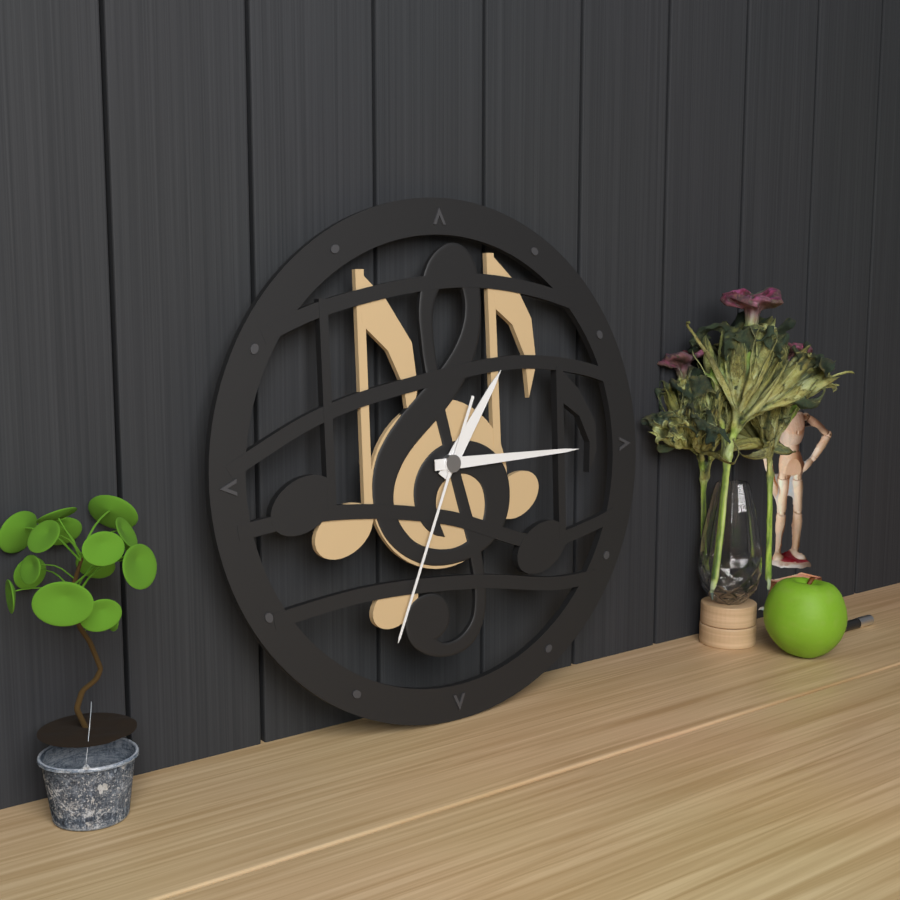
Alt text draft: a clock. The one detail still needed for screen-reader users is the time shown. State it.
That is 1:15:34
